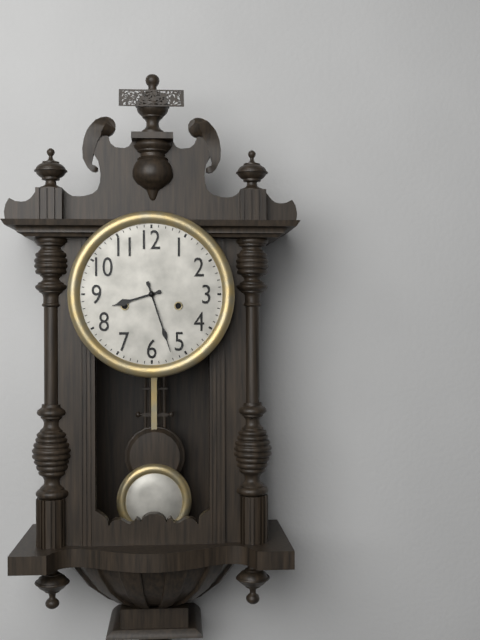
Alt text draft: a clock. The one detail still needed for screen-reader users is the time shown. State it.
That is 8:27
